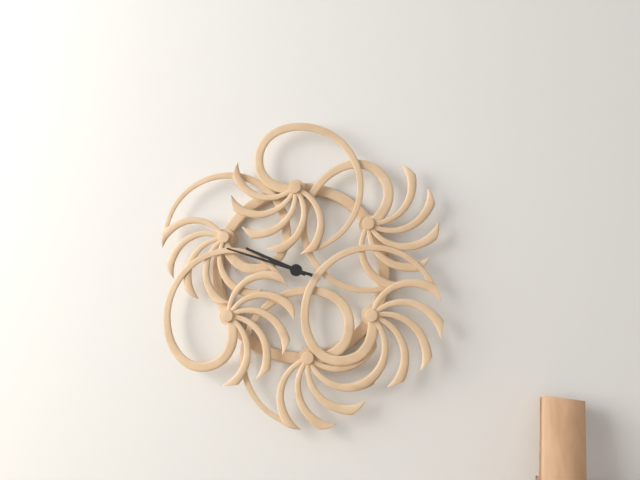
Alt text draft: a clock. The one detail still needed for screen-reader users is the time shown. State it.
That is 9:48
